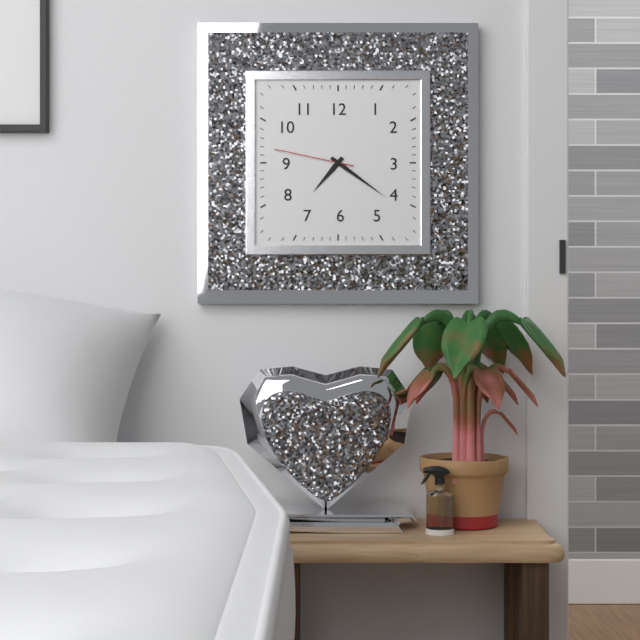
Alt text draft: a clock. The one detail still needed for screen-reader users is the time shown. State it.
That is 7:21:47
